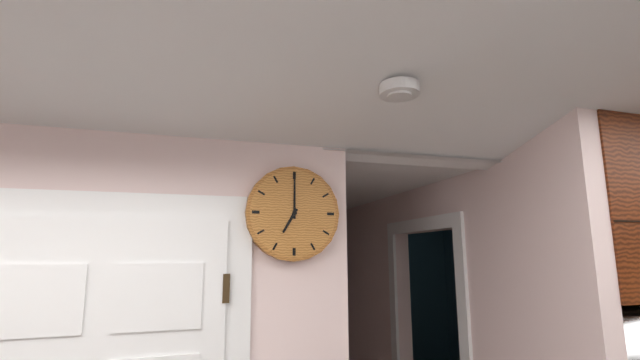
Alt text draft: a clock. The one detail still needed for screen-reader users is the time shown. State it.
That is 7:00
